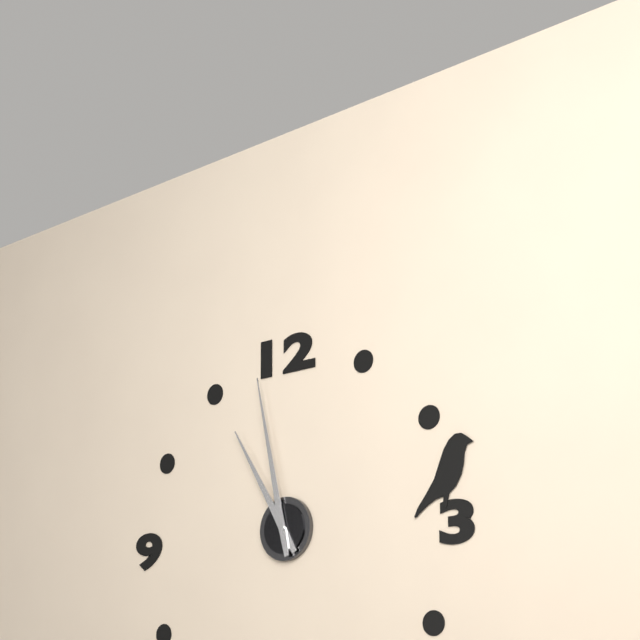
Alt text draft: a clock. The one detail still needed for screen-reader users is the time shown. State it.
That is 10:58
